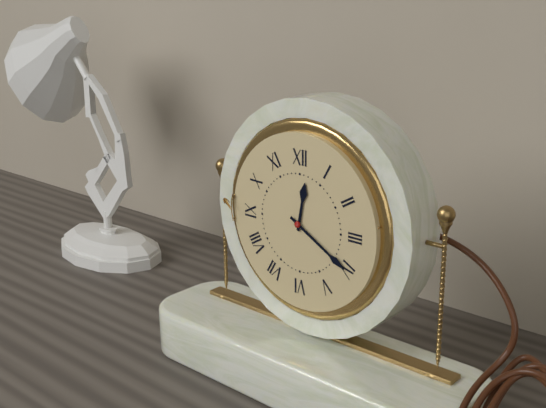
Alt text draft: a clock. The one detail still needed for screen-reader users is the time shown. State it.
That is 12:20
